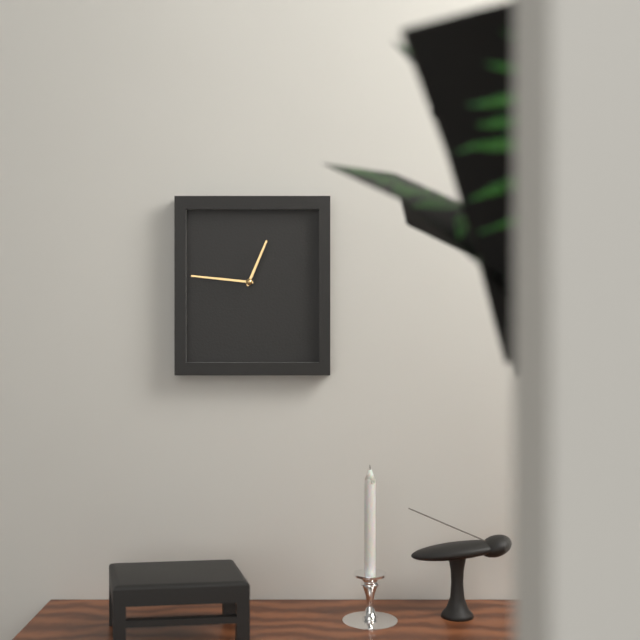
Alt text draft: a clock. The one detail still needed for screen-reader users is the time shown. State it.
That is 12:46
